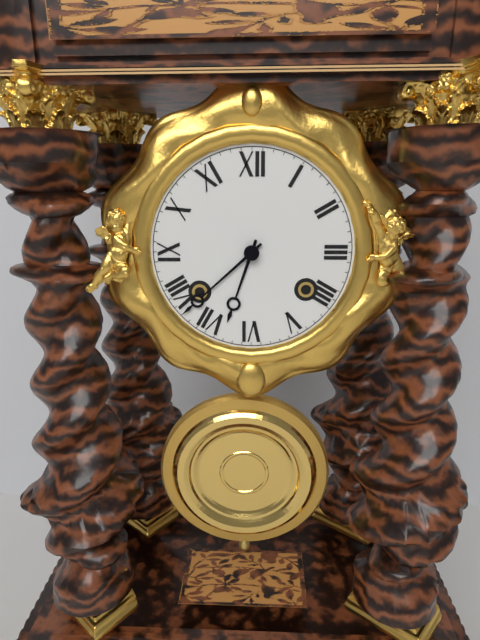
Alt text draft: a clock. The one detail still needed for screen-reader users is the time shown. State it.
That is 6:38
